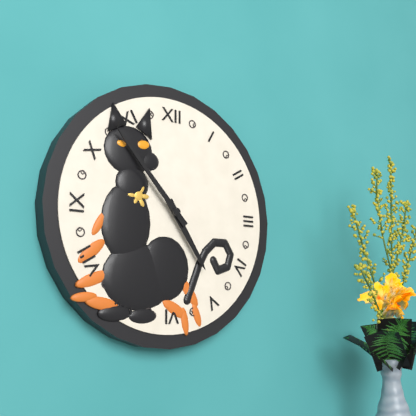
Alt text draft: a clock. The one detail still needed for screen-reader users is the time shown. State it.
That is 4:53
